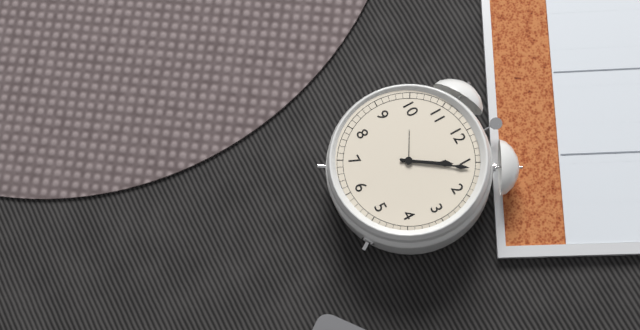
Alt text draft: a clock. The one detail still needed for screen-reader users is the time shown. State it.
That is 1:06
